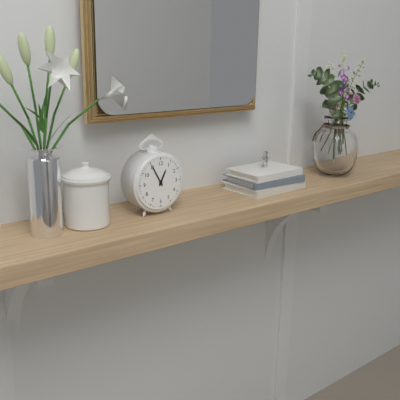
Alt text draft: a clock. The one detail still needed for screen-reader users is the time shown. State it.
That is 12:55
